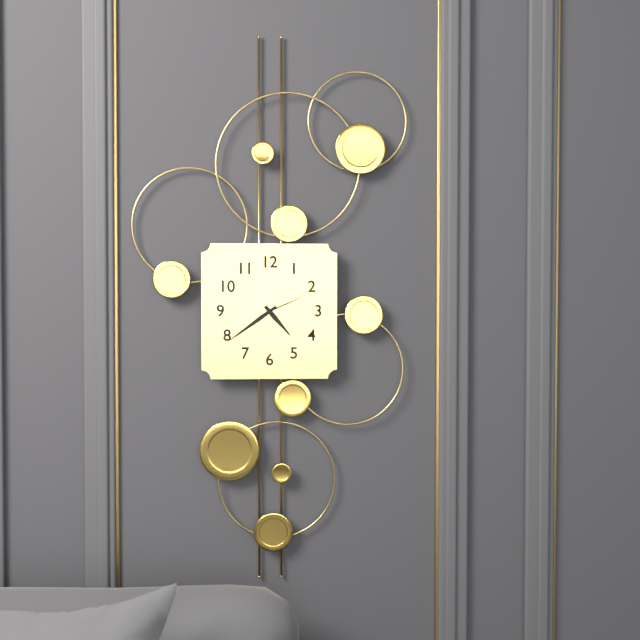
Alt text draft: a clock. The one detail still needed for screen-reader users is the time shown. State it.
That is 4:39
